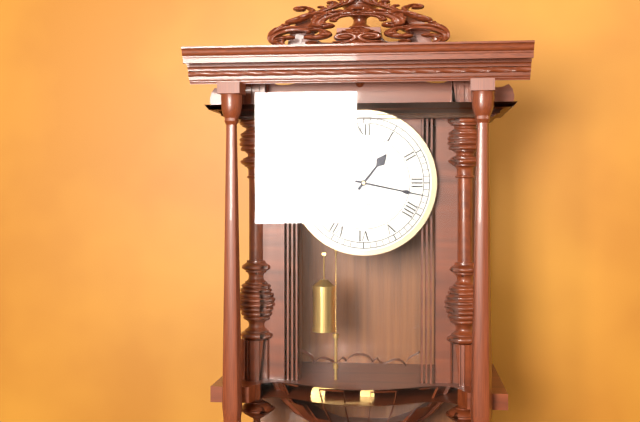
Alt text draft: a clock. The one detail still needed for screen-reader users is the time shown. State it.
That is 1:17
